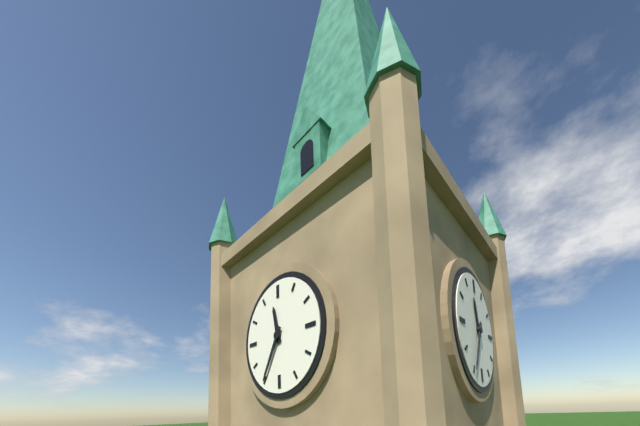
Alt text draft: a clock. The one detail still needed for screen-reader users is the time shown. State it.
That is 11:35
